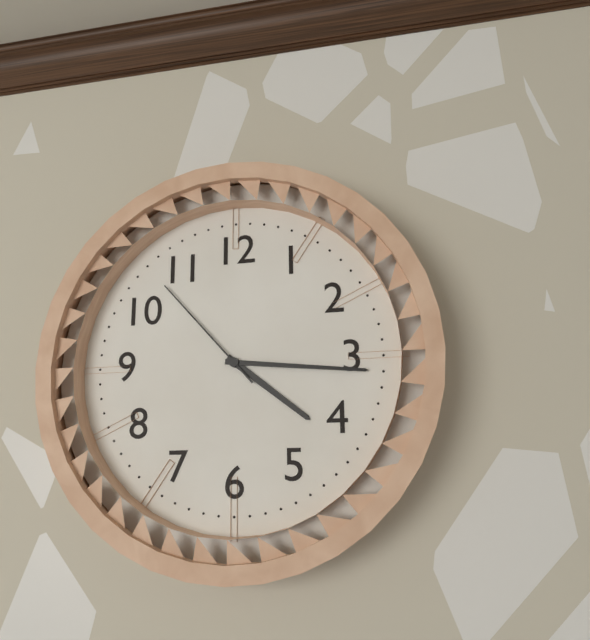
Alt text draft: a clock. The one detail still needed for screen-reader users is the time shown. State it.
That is 4:16:53
